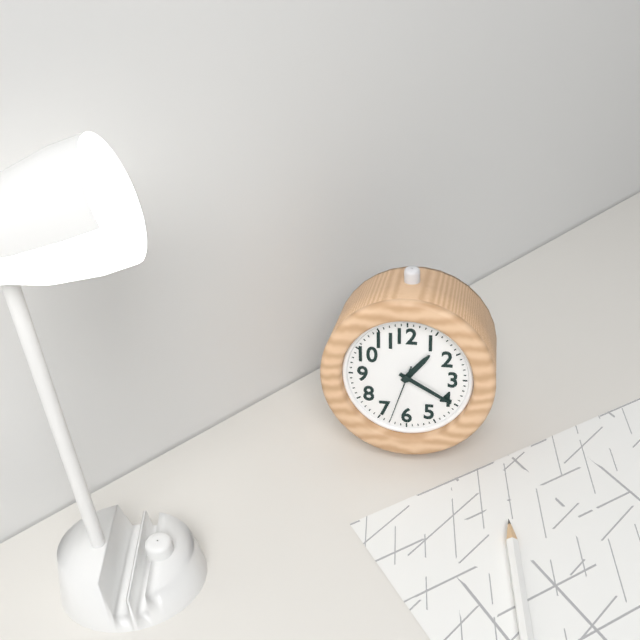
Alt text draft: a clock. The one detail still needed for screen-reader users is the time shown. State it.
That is 1:20:33
